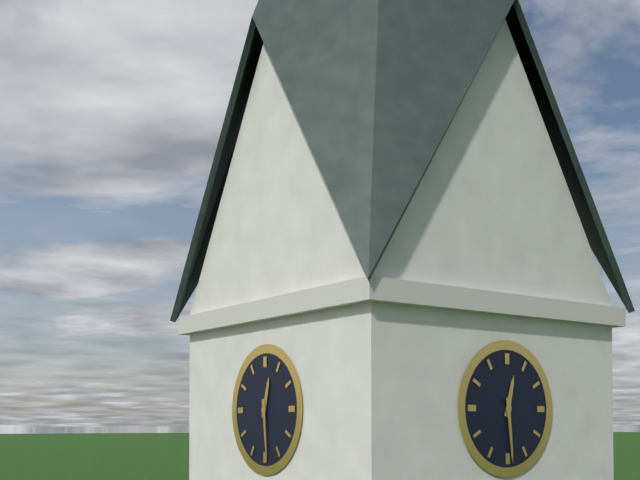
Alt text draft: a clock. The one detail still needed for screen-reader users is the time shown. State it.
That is 12:29
